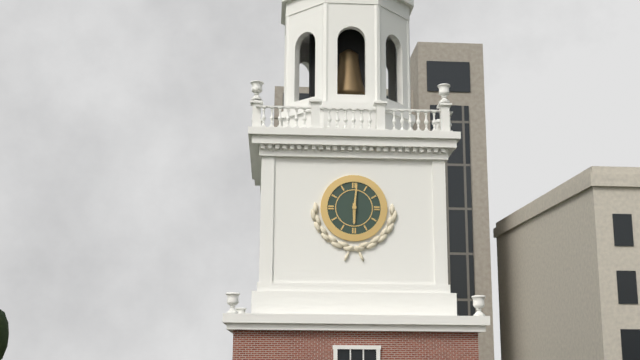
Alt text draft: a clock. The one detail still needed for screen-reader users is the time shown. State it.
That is 6:01
